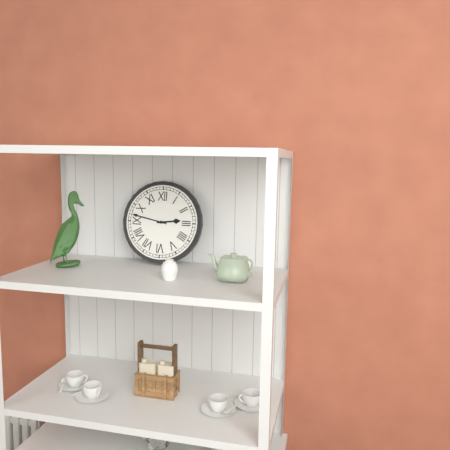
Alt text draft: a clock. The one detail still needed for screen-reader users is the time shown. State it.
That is 2:47
